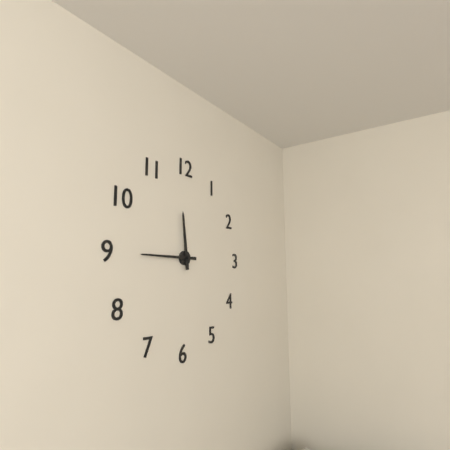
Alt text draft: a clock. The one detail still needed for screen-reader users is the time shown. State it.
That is 11:45
